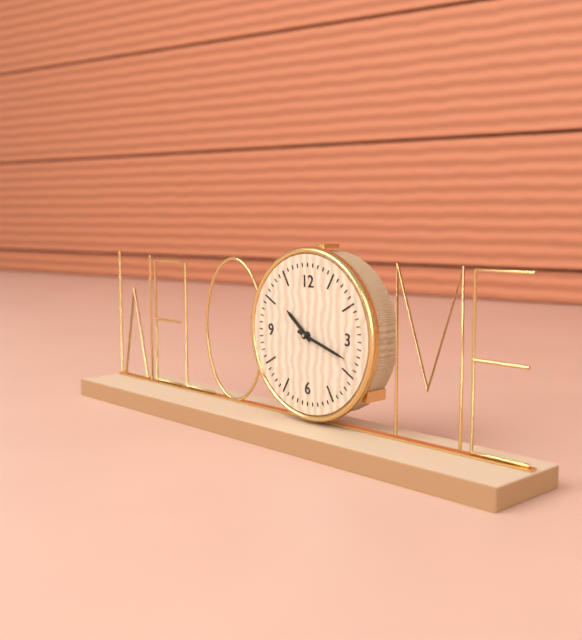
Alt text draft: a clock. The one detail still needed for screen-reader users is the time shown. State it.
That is 10:18
